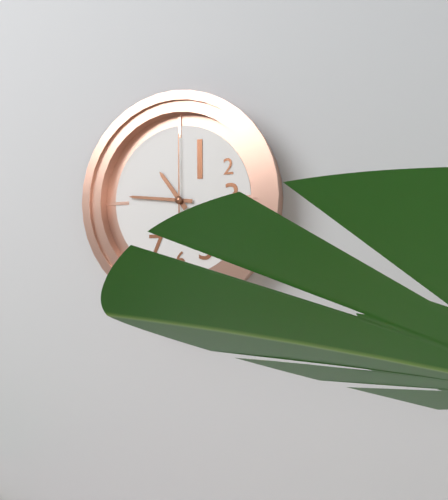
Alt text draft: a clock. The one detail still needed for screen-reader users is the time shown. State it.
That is 10:46:00
